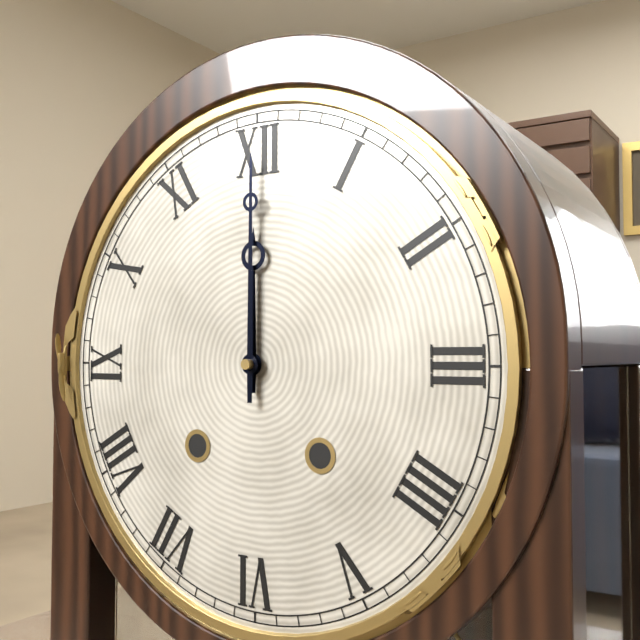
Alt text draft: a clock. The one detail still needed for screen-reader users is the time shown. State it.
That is 12:00
